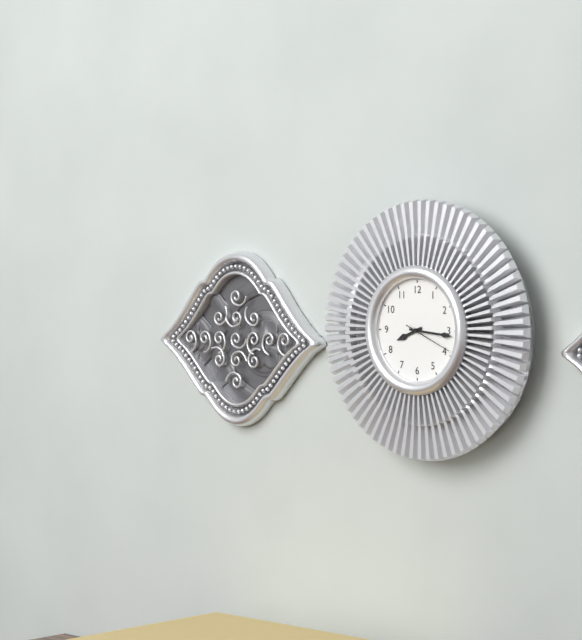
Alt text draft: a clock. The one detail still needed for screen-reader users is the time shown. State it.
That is 8:16
